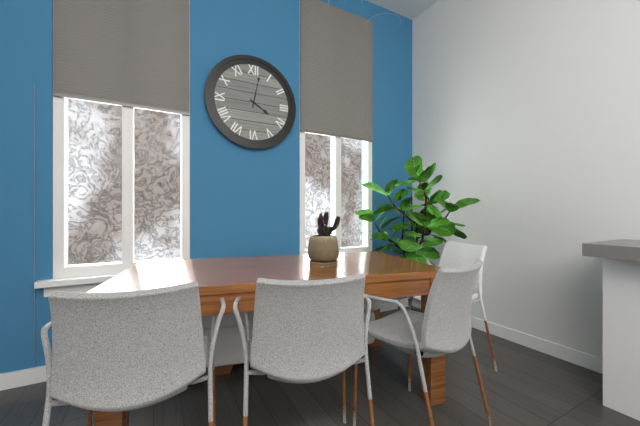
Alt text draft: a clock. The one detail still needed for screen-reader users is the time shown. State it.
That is 4:02
